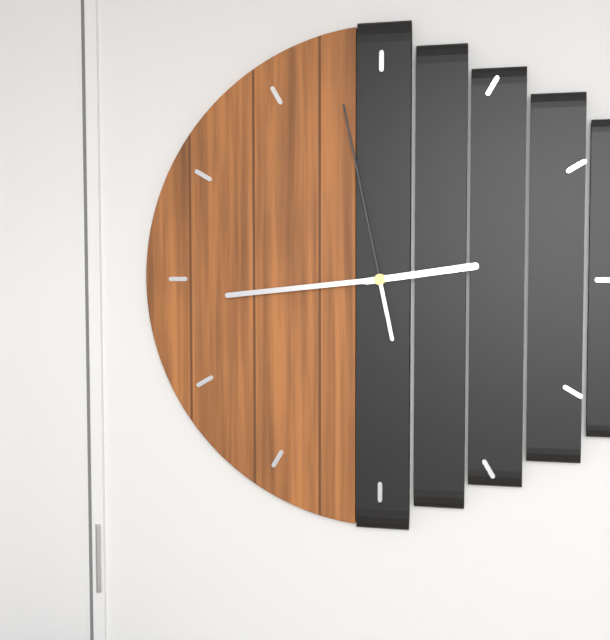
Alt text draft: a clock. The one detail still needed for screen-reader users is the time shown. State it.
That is 2:44:58
